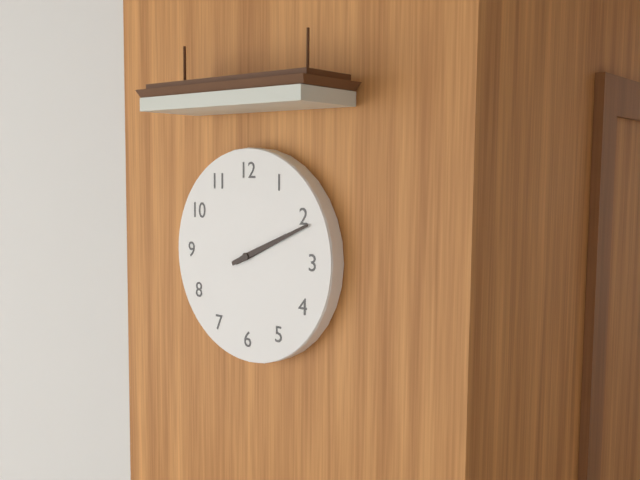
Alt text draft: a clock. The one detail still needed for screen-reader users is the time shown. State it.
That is 2:11
